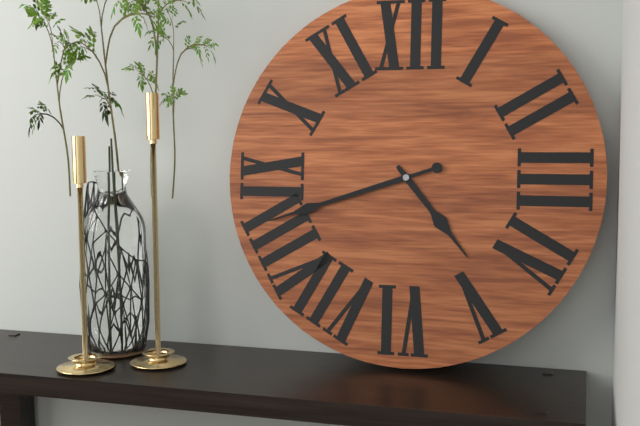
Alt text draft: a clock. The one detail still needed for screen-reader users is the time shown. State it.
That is 4:42
